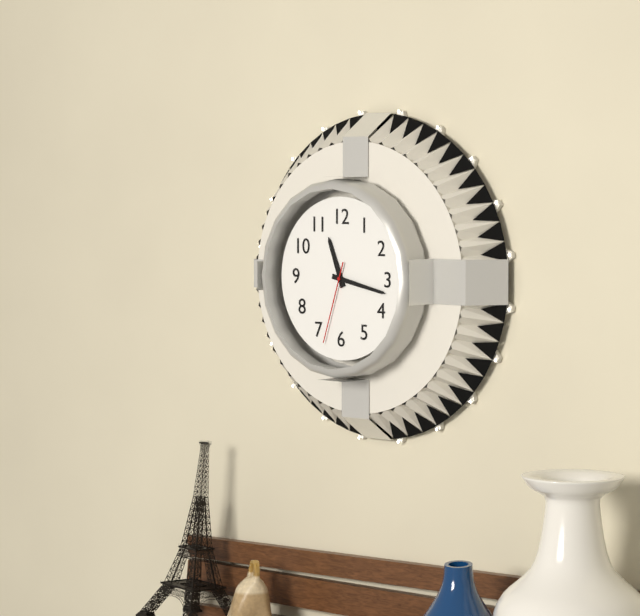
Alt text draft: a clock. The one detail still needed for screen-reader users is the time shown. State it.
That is 11:17:33
